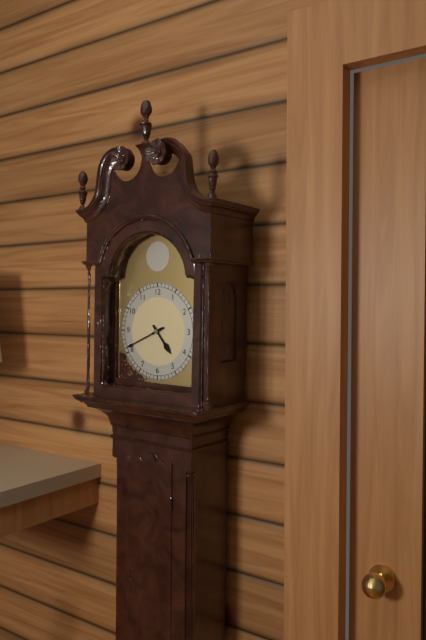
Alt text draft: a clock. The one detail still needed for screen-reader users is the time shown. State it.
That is 4:41
